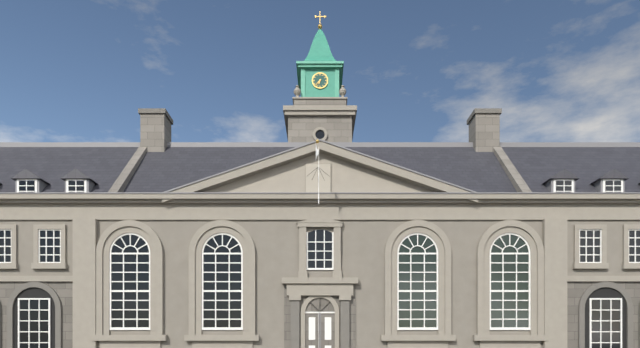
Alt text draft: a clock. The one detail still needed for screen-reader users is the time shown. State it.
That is 6:37
